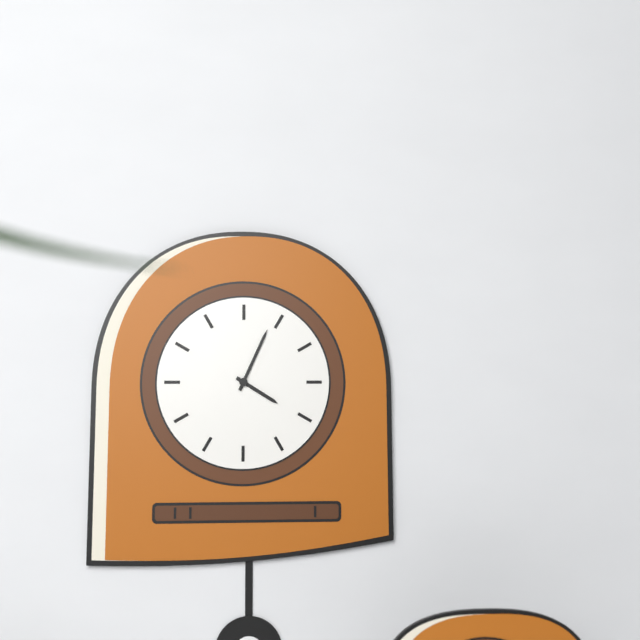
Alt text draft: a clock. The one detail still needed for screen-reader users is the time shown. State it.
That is 4:04
